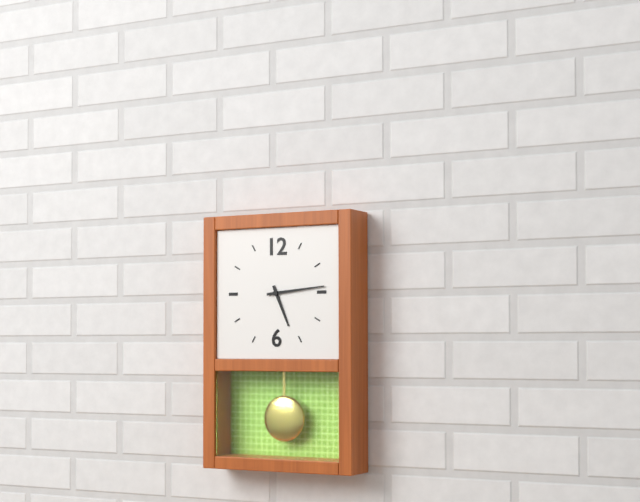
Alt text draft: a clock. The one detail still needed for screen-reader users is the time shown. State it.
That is 5:14
